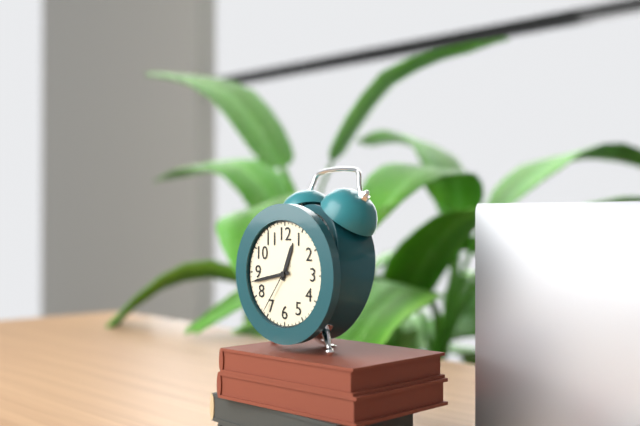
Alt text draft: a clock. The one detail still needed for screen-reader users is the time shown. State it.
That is 12:43:36
